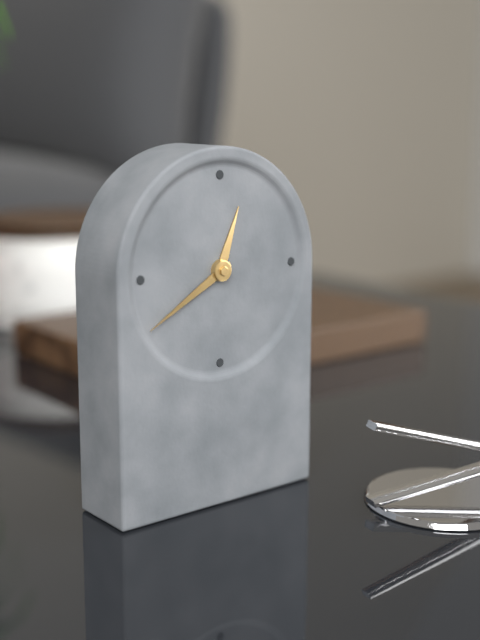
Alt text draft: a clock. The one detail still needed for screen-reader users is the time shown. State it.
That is 12:40
